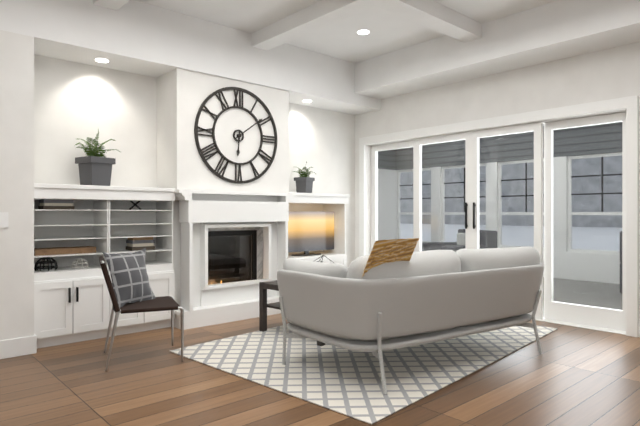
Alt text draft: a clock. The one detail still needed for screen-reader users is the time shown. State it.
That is 6:09
